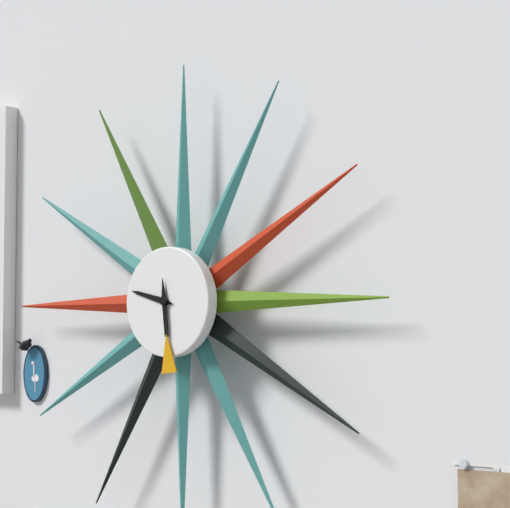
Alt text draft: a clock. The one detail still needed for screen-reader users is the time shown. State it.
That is 9:29
